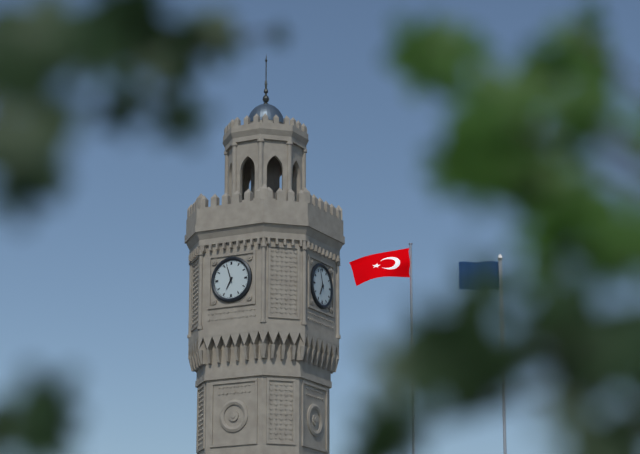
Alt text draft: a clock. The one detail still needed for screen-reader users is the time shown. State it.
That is 6:57
